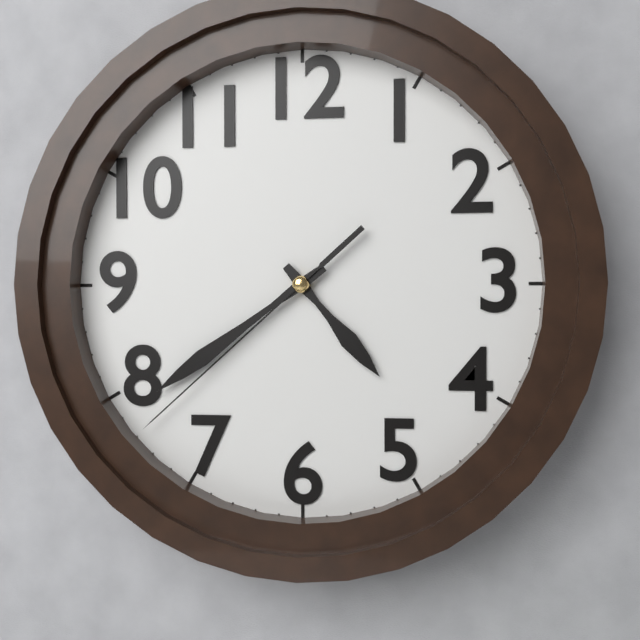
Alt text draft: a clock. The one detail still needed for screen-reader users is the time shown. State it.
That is 4:39:38
